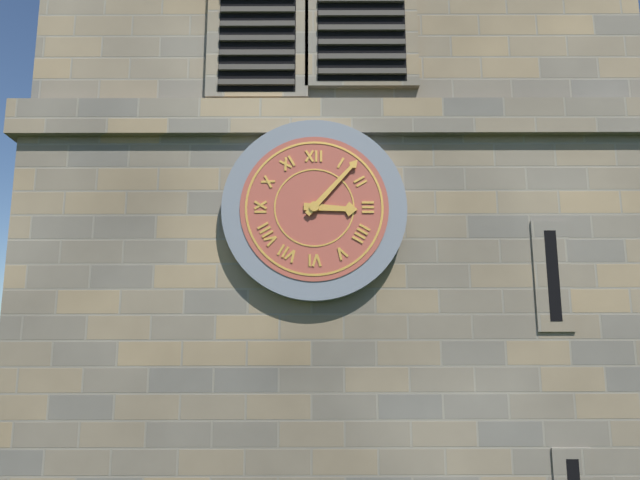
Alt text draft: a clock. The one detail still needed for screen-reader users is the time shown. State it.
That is 3:07
